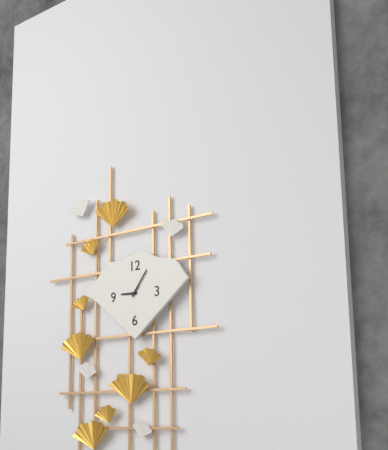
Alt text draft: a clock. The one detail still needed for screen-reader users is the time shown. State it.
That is 9:06
